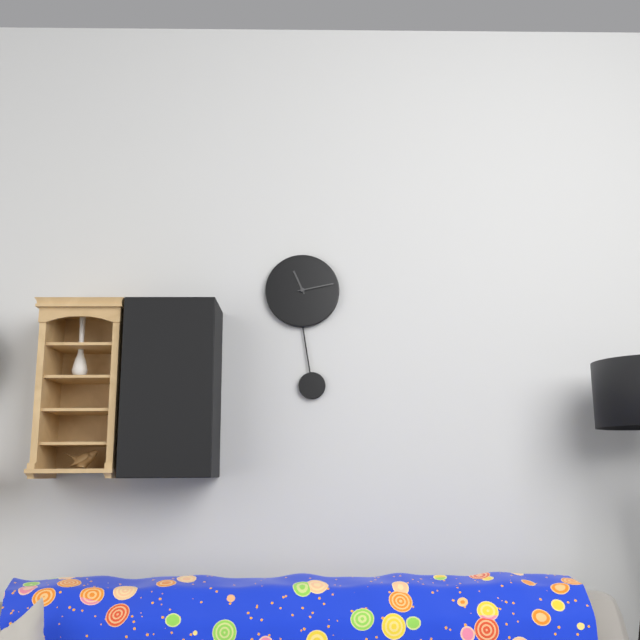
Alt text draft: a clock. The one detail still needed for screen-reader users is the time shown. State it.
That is 11:13
